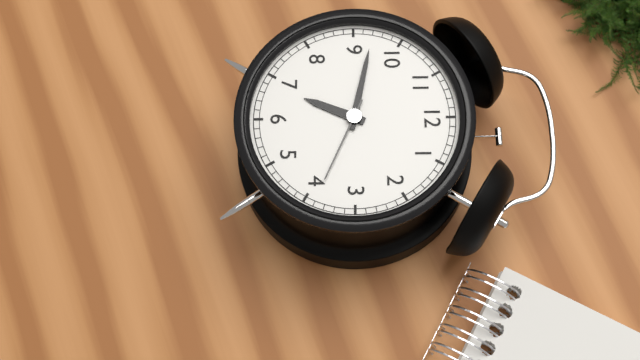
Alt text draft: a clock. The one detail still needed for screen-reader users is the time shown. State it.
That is 6:47:19
